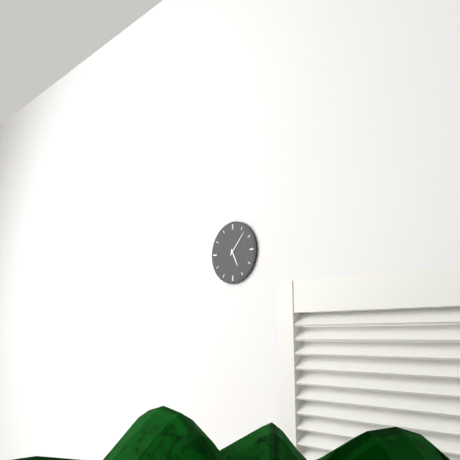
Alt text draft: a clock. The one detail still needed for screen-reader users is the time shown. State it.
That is 5:07
